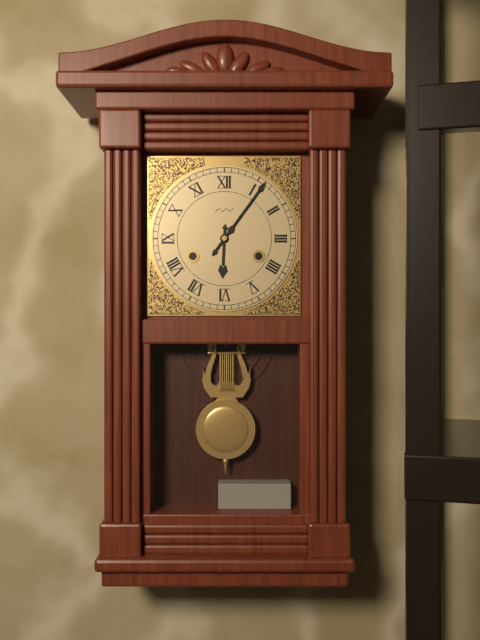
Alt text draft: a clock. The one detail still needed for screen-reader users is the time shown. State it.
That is 6:06
